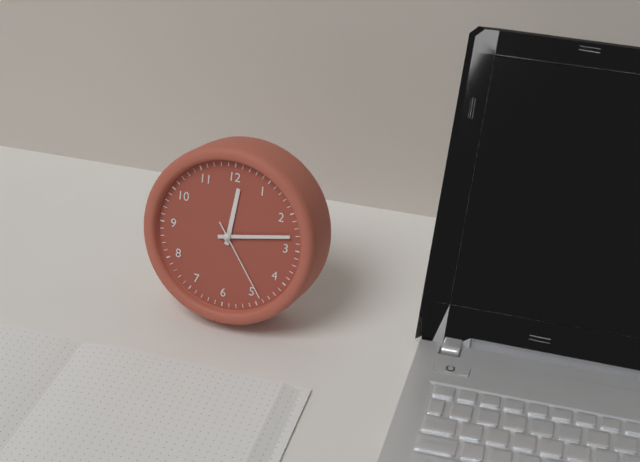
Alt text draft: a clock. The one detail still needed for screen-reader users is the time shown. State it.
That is 12:13:24
